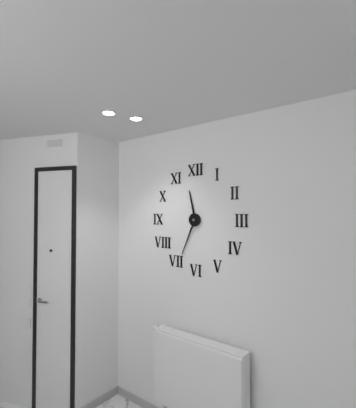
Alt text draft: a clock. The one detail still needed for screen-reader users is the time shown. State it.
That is 11:34
